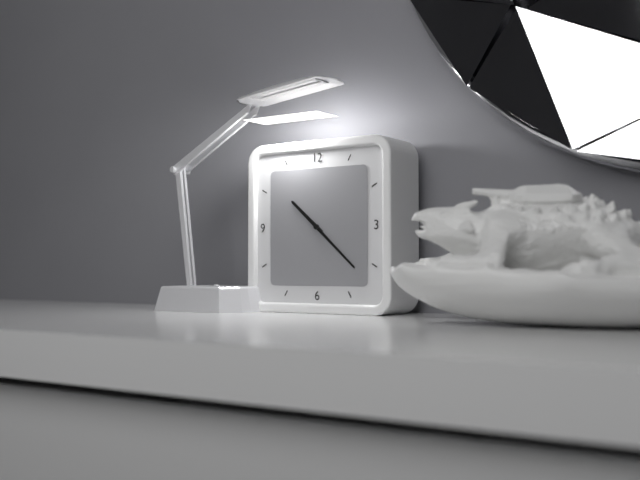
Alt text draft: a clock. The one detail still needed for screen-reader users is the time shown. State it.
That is 10:22
